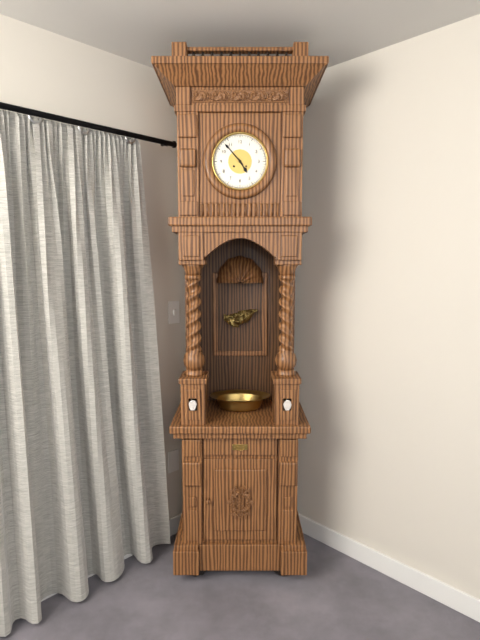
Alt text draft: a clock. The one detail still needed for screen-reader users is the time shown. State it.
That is 4:53
